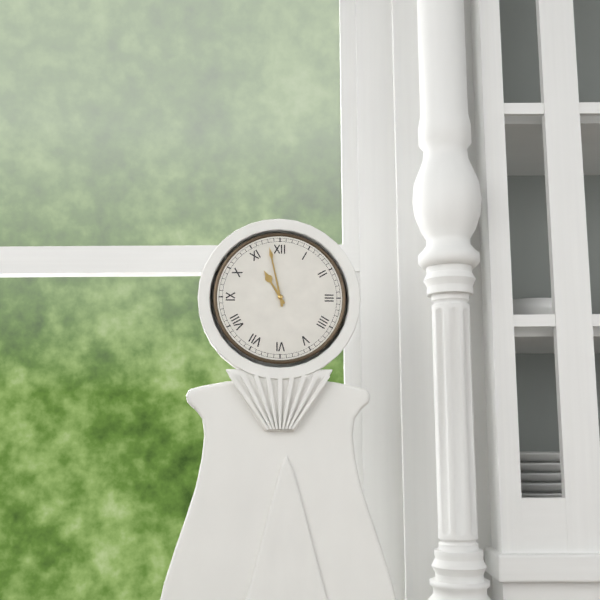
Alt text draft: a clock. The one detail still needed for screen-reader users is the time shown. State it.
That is 10:58
